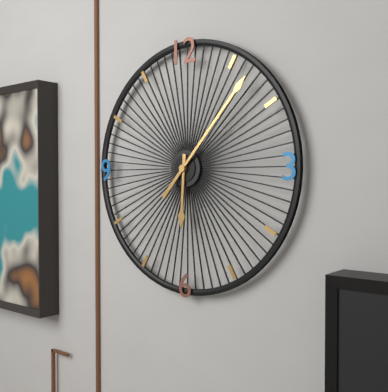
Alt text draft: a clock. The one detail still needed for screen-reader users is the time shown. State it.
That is 6:07
